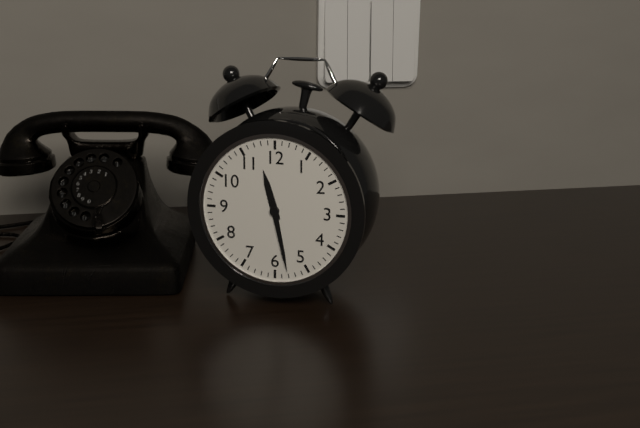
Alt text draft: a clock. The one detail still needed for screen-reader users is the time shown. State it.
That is 11:28
